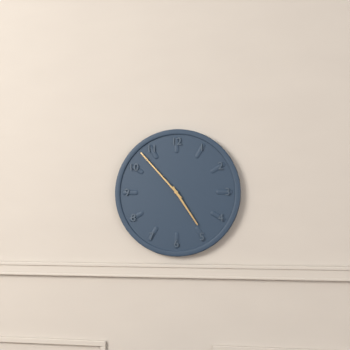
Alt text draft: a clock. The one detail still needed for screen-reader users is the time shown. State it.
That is 4:53
